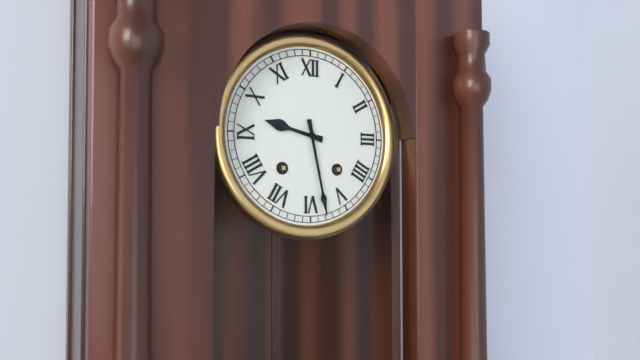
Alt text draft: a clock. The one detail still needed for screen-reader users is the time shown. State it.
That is 9:28
